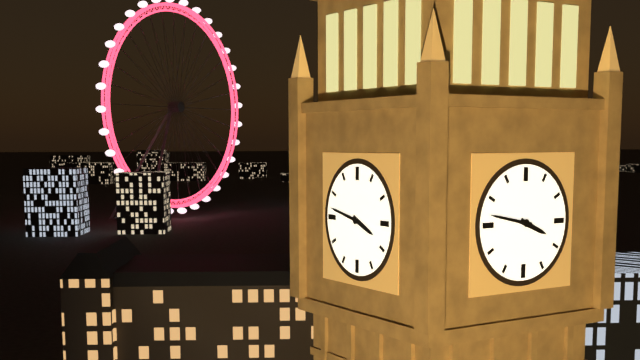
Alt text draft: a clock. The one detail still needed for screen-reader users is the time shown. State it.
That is 3:47
